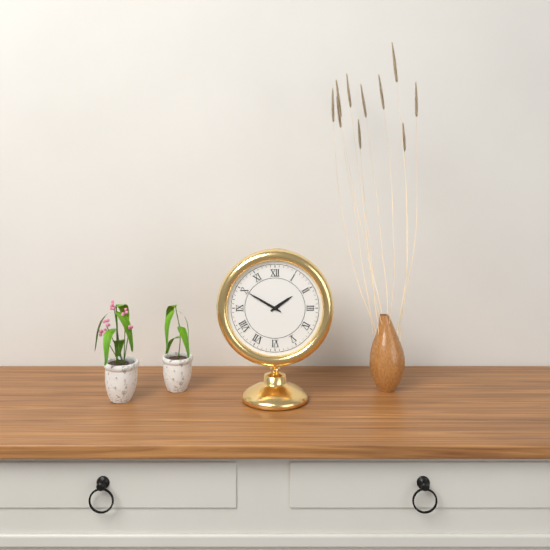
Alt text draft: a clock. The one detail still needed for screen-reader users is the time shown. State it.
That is 1:50
